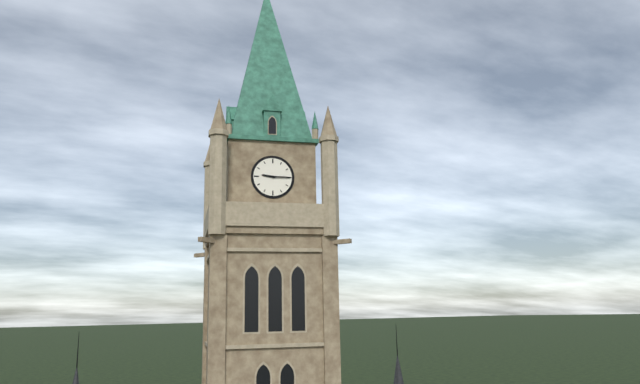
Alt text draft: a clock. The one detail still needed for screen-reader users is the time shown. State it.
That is 9:15
